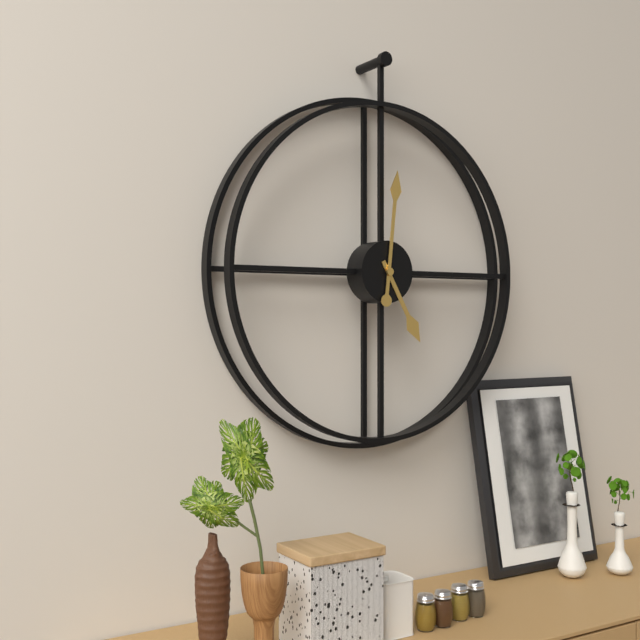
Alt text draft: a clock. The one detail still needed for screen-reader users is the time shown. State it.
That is 5:01
